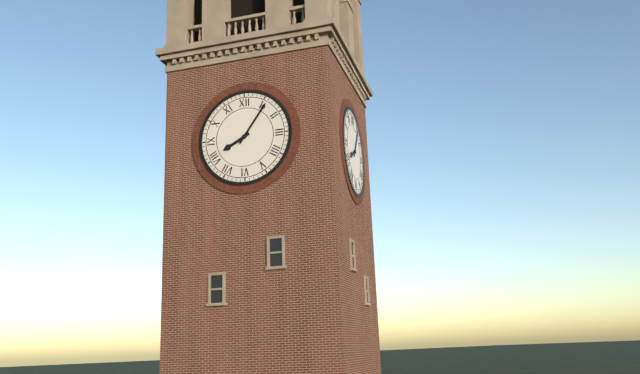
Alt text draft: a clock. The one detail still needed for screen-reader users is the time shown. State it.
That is 8:06
